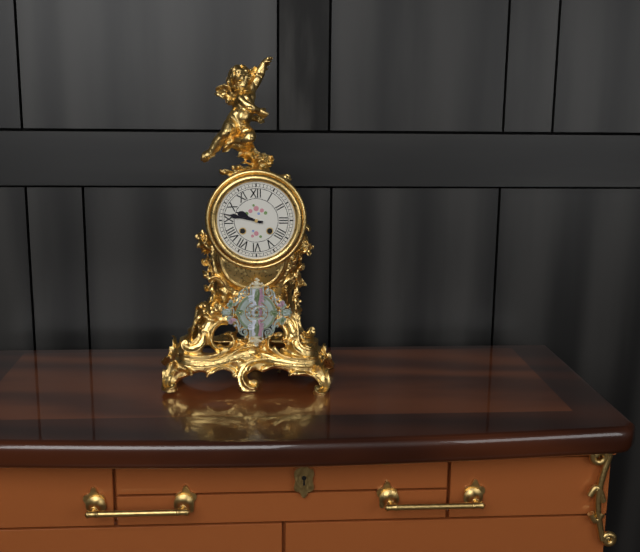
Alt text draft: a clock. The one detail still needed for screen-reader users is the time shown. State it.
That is 9:47
